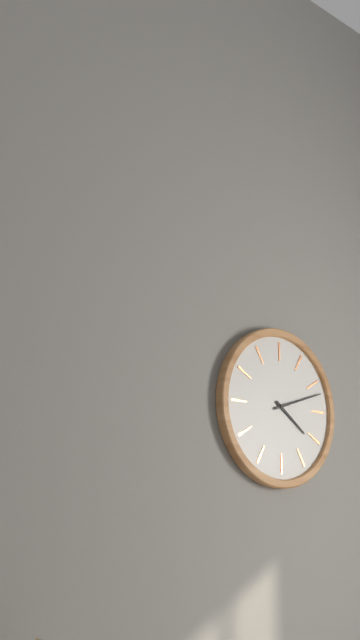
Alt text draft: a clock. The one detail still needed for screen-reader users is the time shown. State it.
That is 4:12
